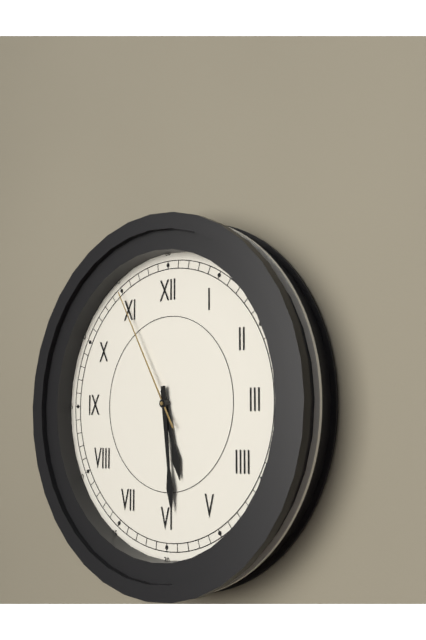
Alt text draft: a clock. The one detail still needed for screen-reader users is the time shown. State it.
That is 5:29:55
